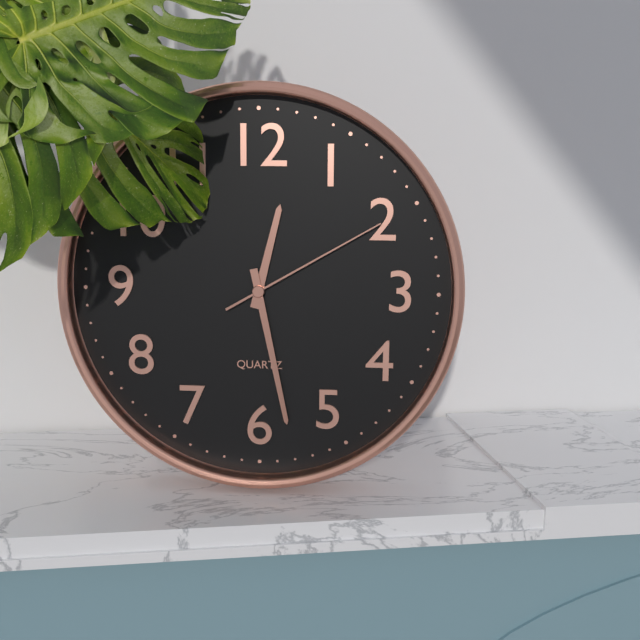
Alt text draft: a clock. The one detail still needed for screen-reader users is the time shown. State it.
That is 12:28:10
